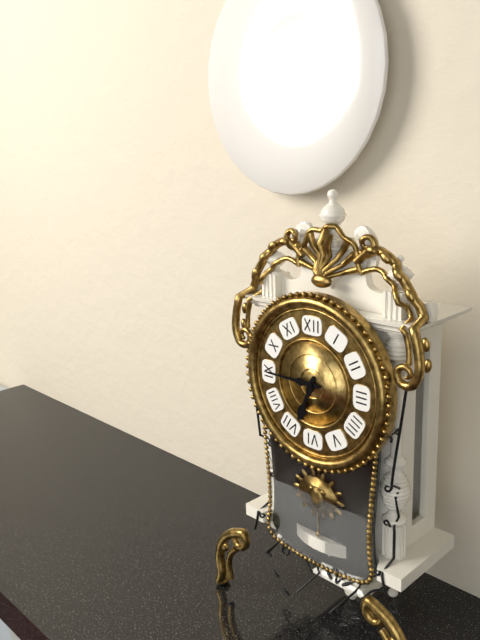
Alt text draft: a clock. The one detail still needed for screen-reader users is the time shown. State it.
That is 6:45
